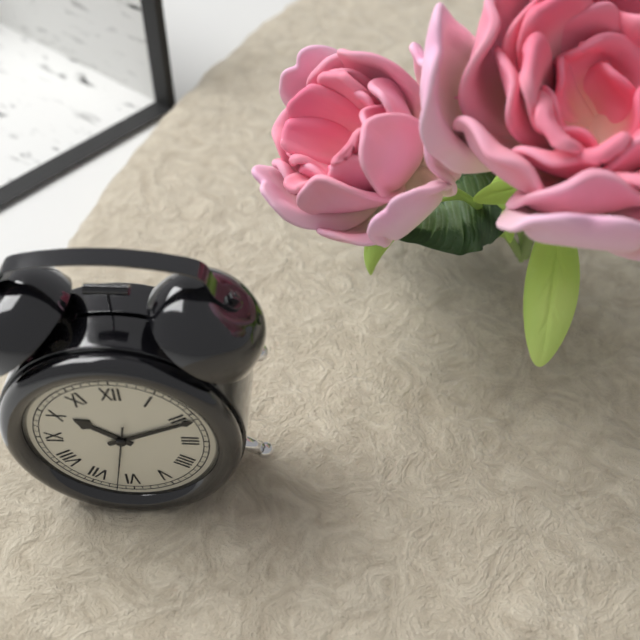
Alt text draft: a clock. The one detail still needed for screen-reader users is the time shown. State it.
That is 10:11:32
